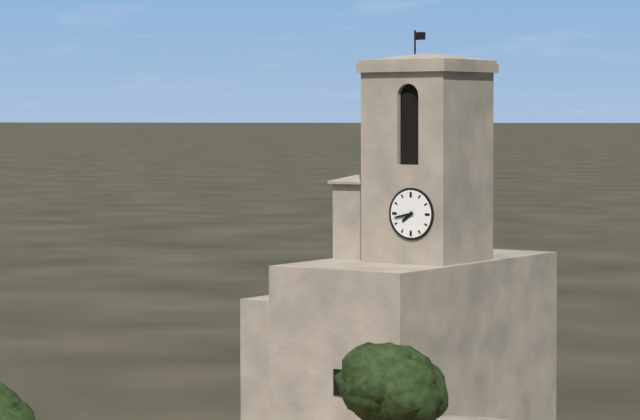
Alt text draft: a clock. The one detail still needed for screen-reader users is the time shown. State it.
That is 7:43
